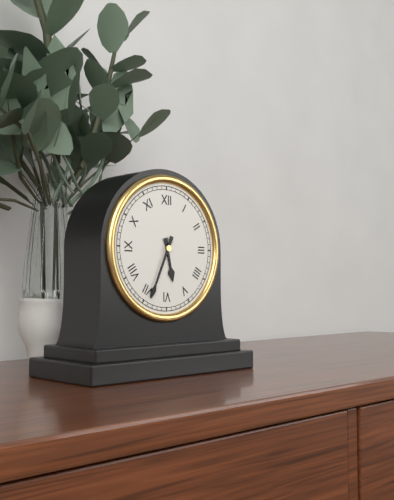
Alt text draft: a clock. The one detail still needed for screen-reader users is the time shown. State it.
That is 5:34
